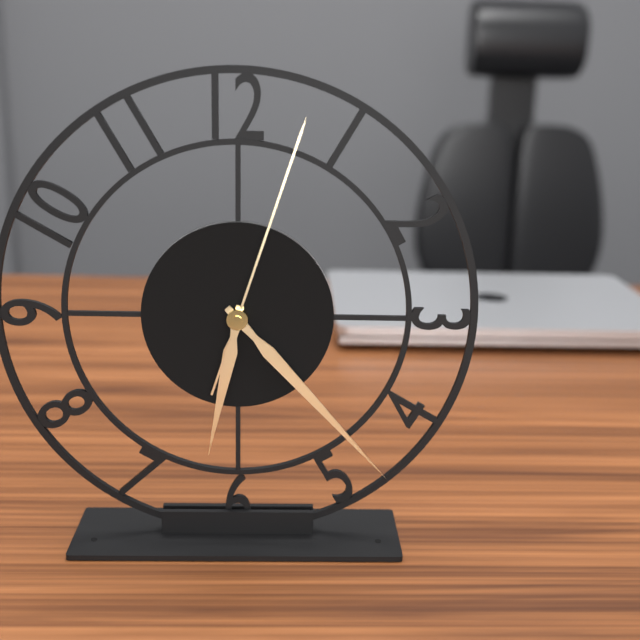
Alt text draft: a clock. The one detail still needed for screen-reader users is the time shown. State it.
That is 6:23:03
